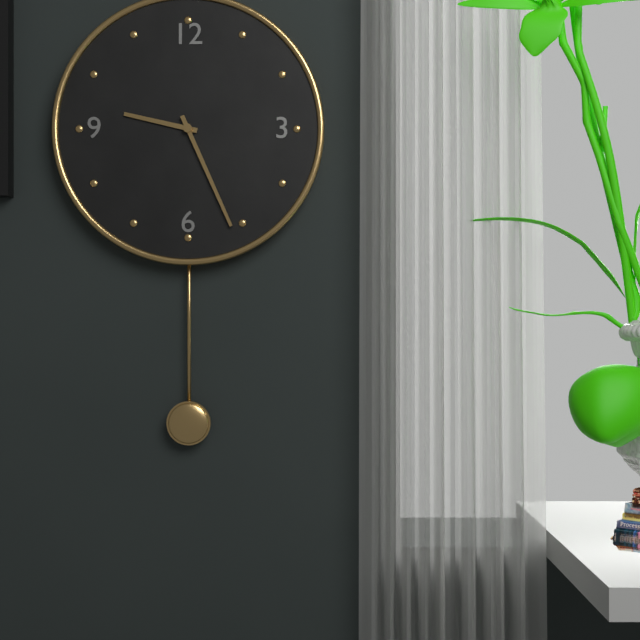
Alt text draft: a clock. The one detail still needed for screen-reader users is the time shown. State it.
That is 9:26
